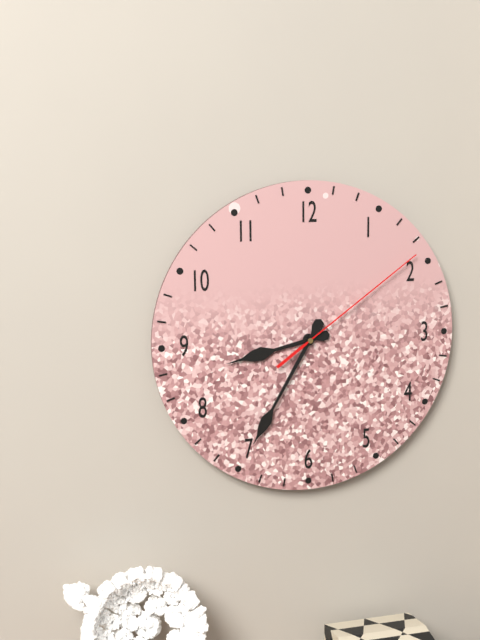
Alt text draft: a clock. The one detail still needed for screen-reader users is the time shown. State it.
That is 8:35:09
